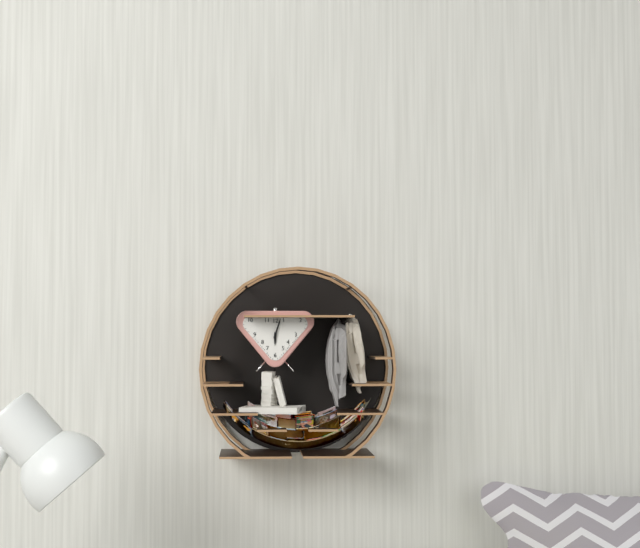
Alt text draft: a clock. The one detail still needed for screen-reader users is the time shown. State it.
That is 6:03
